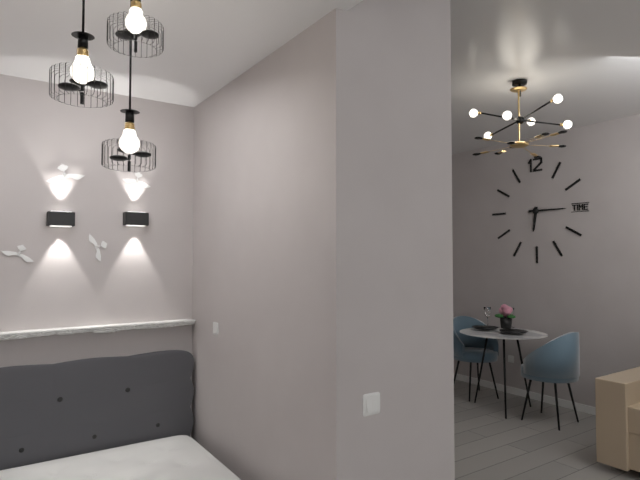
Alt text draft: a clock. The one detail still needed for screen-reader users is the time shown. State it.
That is 6:15
